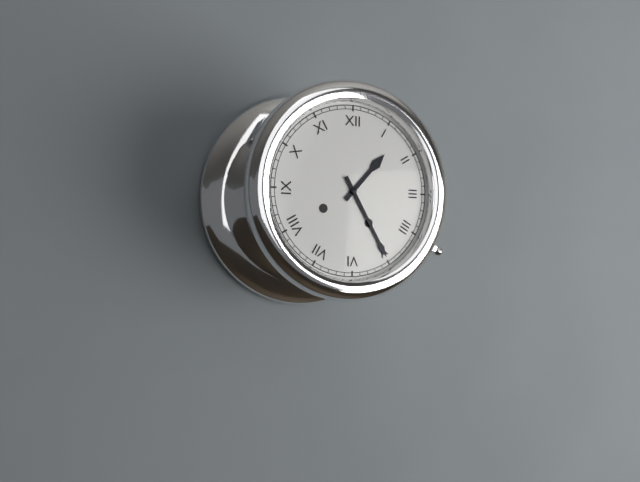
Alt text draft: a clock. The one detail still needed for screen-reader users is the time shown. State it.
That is 1:25
